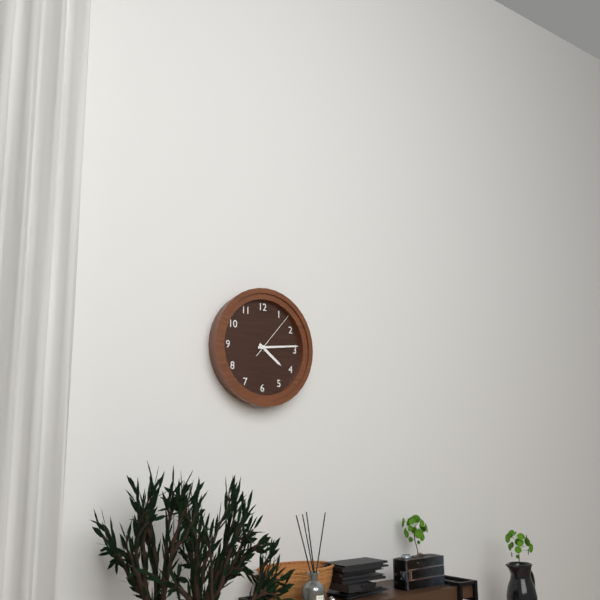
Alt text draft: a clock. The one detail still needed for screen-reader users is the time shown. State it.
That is 4:14:07
